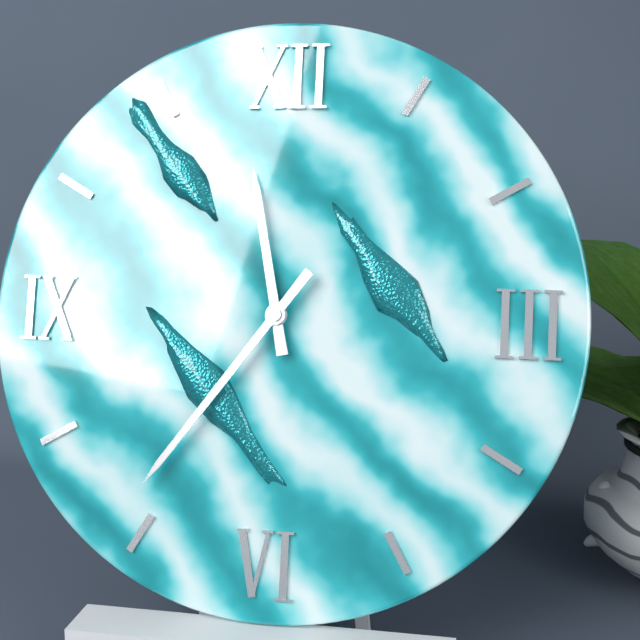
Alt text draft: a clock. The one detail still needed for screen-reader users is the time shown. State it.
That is 11:36
